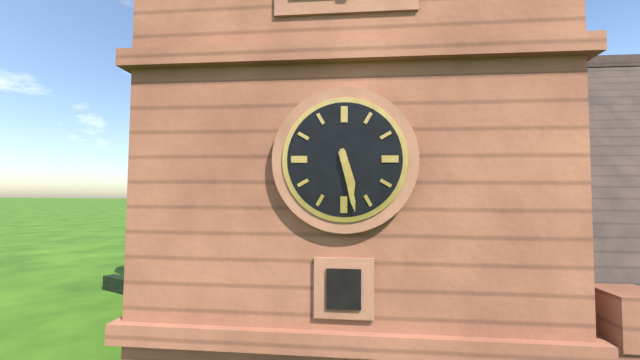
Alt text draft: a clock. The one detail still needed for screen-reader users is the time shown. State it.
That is 5:28
